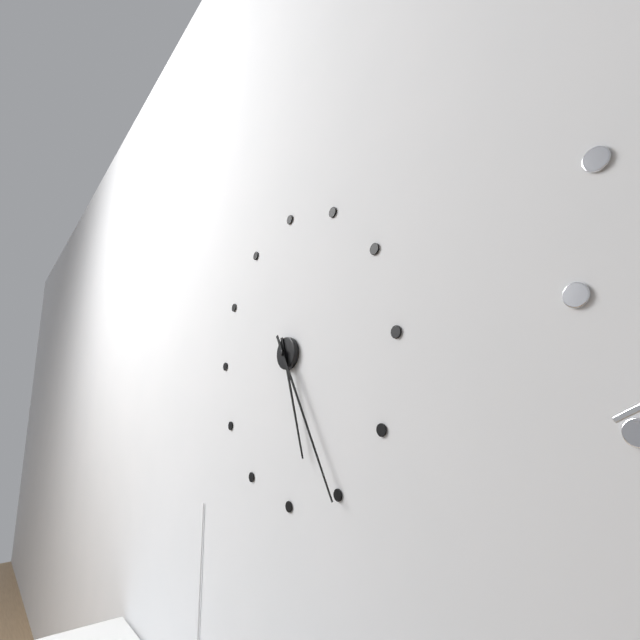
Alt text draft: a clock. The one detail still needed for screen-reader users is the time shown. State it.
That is 5:25
